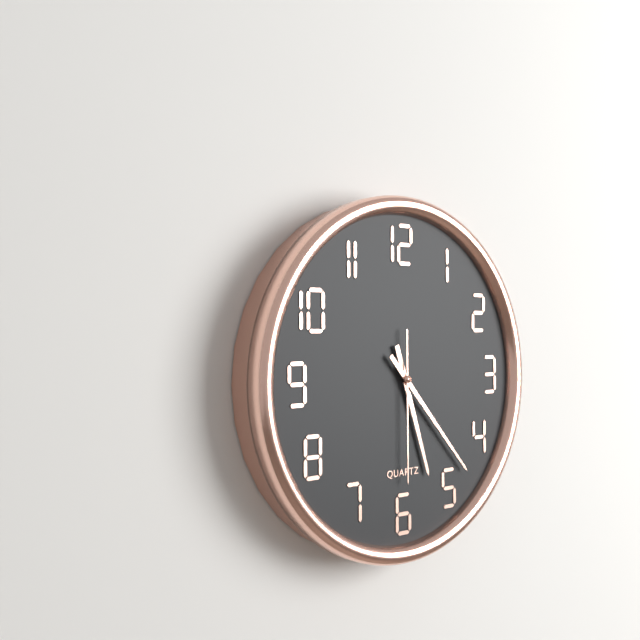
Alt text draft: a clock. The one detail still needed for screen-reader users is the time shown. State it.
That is 5:23:30
